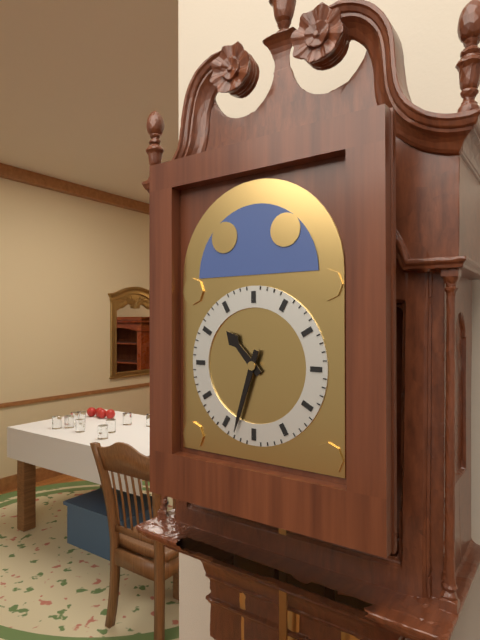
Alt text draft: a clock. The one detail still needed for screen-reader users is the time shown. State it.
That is 10:33
